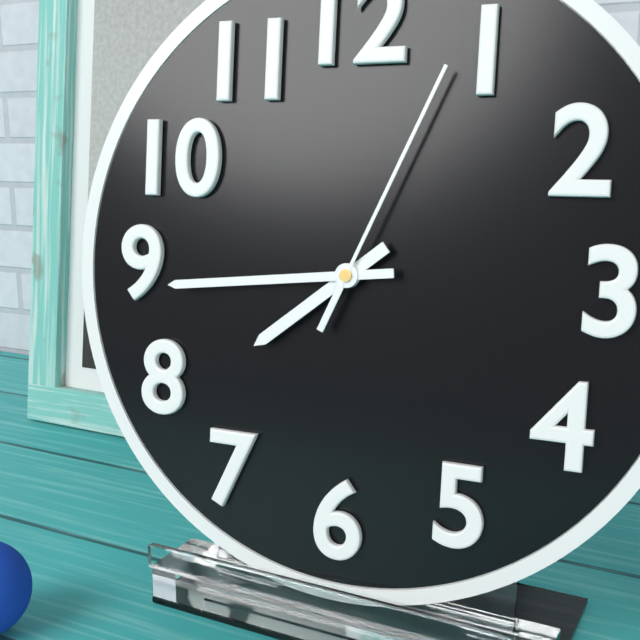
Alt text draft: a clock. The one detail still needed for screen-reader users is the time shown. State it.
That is 7:44:04
